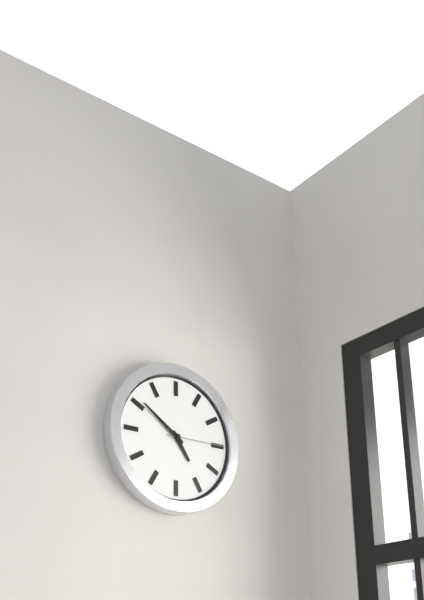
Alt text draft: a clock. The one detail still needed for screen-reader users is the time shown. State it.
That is 4:51:15
